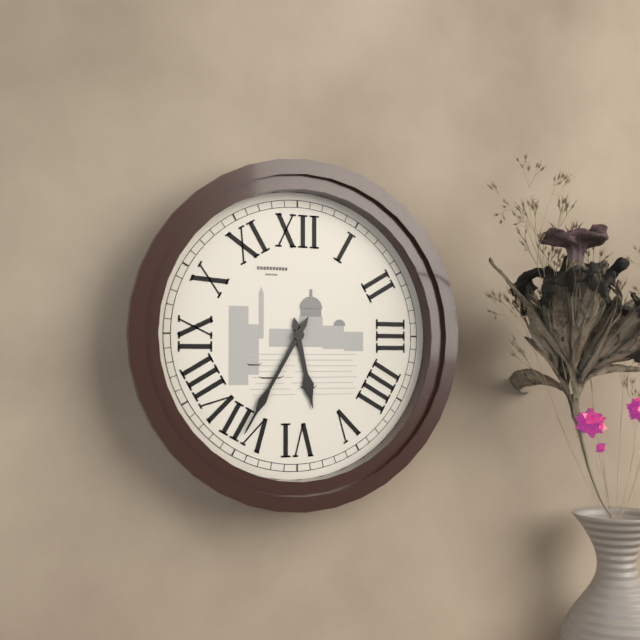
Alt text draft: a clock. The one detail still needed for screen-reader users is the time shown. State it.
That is 5:35
